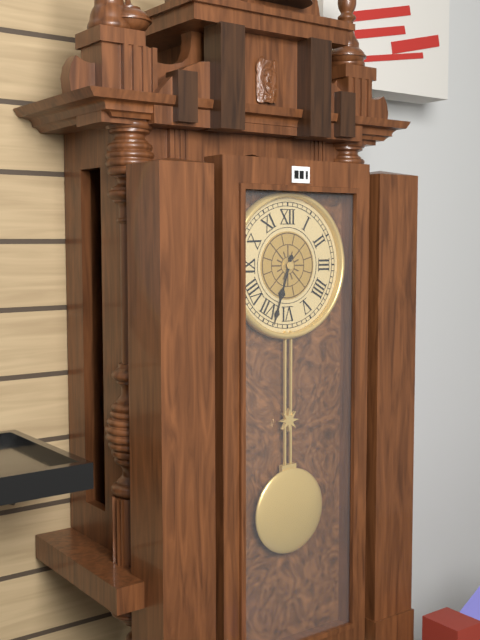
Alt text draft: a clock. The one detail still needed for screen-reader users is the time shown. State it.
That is 6:33
